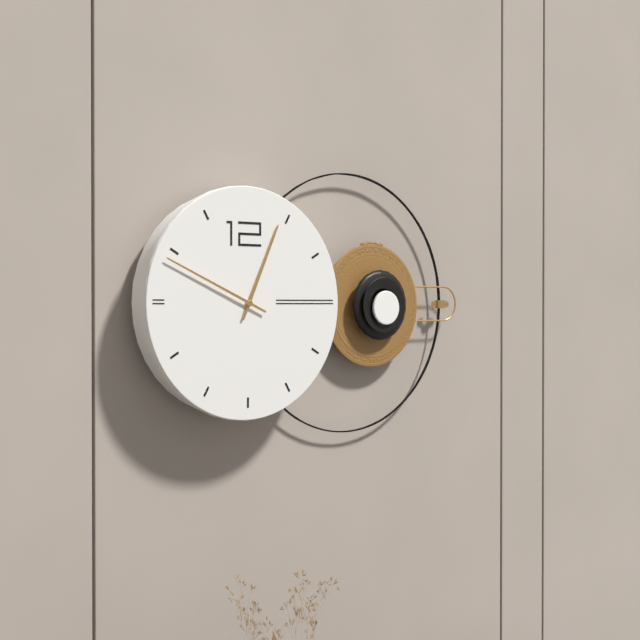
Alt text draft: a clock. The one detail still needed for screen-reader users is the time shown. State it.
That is 12:49
